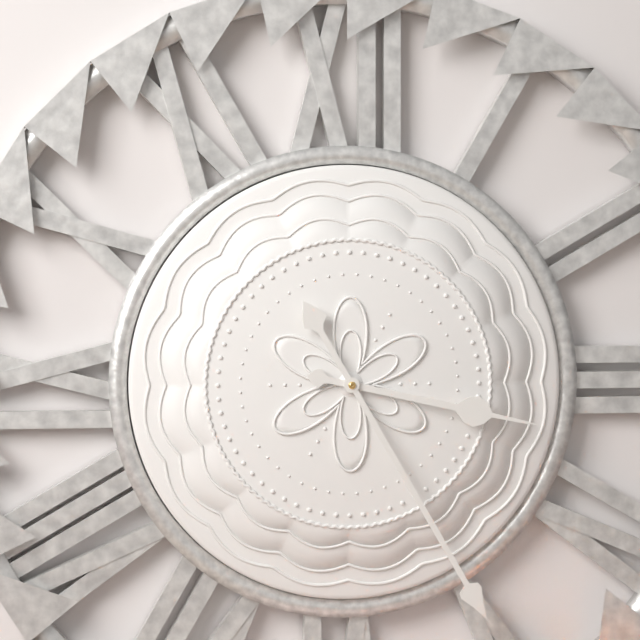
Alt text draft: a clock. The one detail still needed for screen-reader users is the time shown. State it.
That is 3:25
